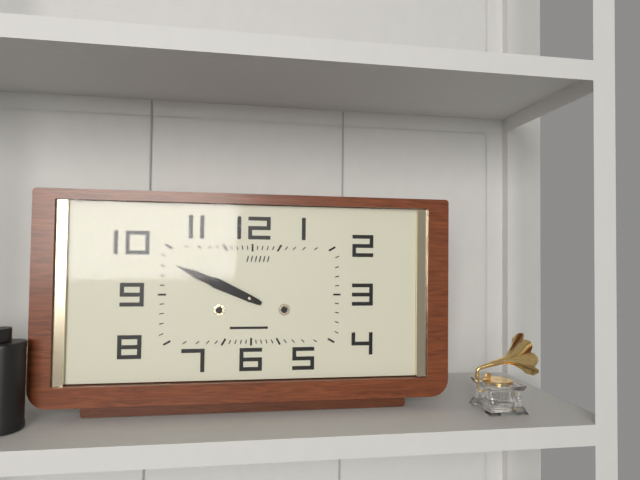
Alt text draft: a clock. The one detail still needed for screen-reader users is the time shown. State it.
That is 9:49
